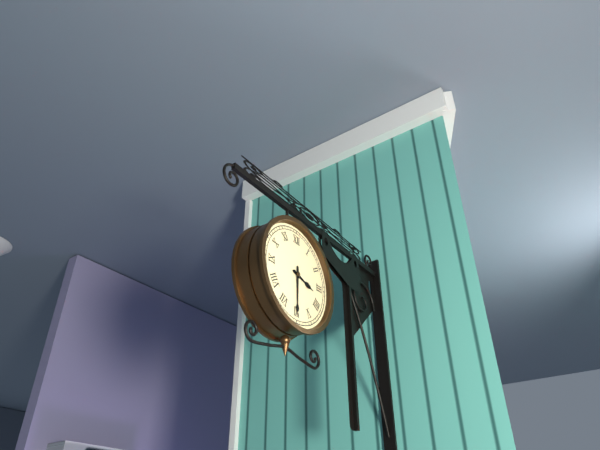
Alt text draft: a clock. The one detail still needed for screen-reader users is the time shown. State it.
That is 3:30
